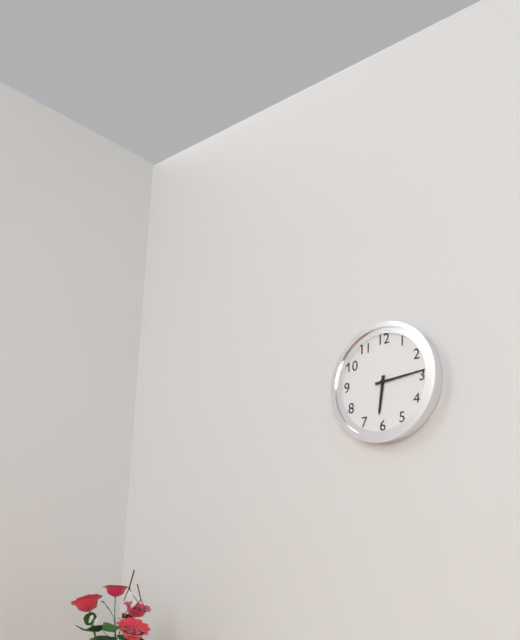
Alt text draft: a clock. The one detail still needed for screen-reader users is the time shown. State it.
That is 6:14
